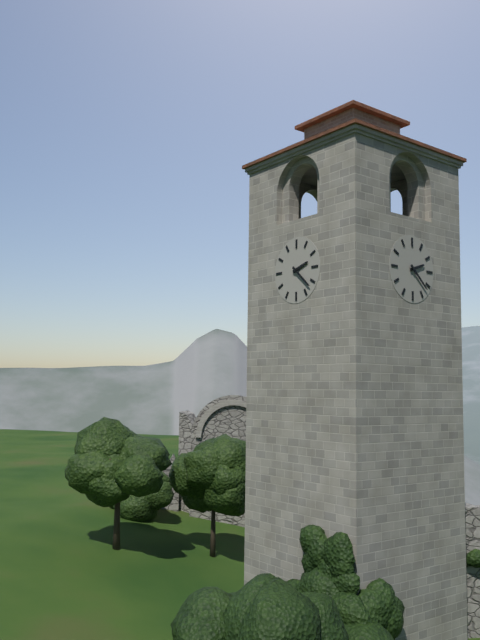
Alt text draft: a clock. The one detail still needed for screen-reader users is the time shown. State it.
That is 2:22
